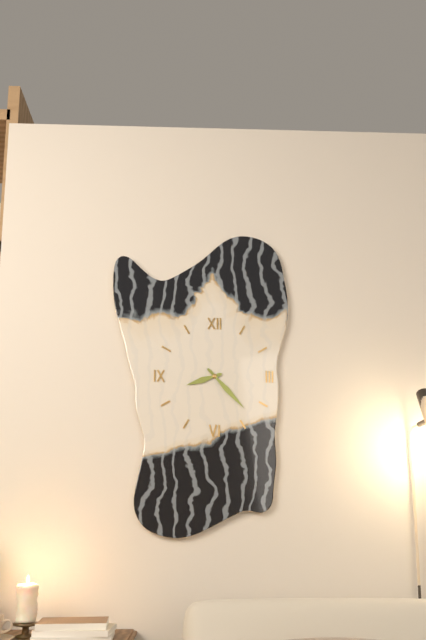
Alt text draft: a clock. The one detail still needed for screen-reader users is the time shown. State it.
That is 8:23
